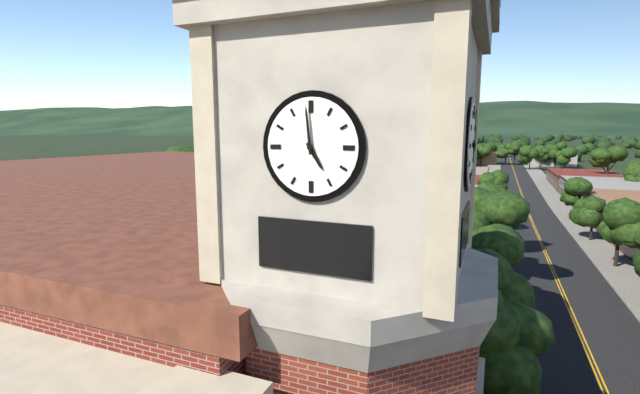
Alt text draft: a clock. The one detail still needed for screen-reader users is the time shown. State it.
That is 4:59
